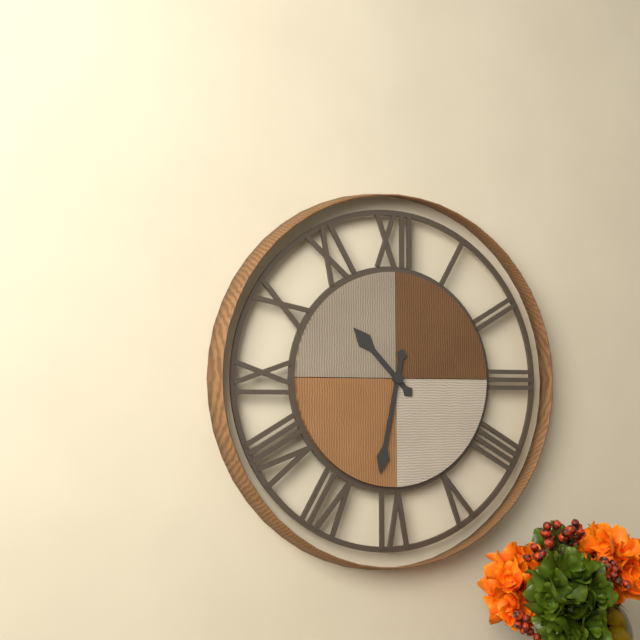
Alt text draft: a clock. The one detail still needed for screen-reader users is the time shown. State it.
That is 10:32
